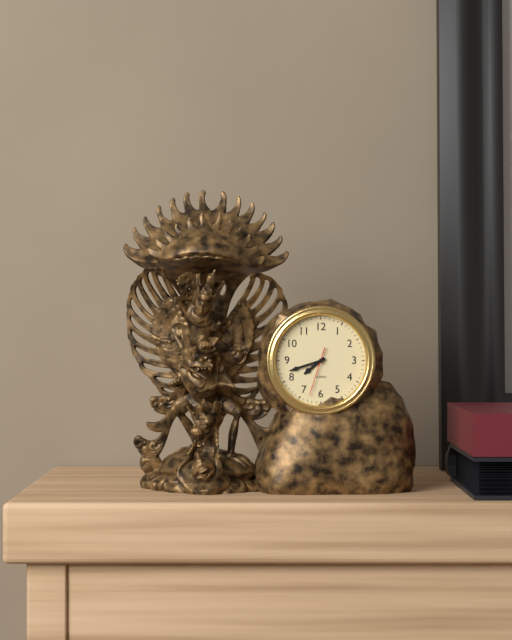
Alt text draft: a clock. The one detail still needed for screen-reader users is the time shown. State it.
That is 7:42
